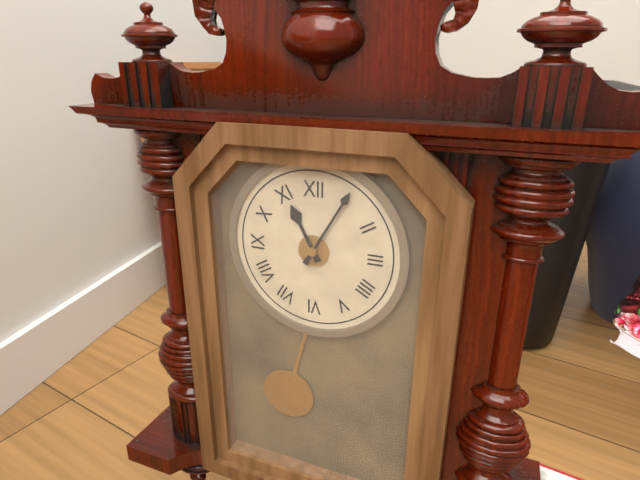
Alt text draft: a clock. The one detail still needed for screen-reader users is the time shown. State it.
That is 11:05
